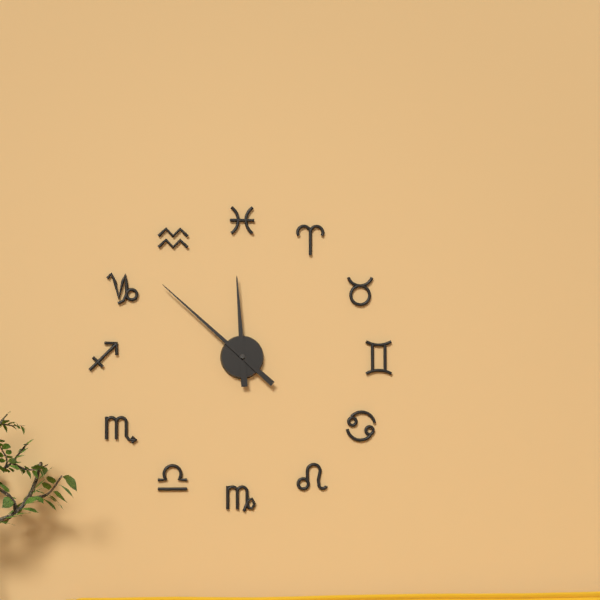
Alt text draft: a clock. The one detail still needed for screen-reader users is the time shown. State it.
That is 11:52
